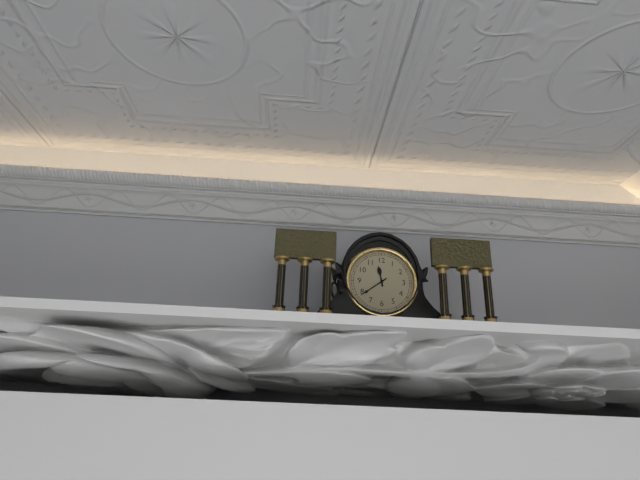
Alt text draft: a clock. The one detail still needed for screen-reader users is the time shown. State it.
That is 11:39
